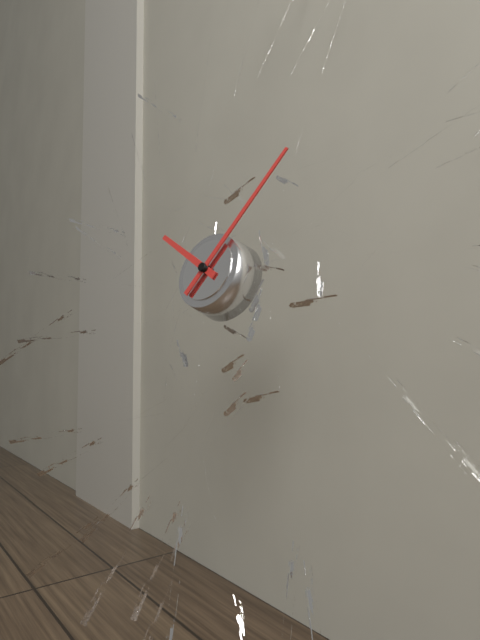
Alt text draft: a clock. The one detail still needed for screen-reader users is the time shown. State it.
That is 10:06
